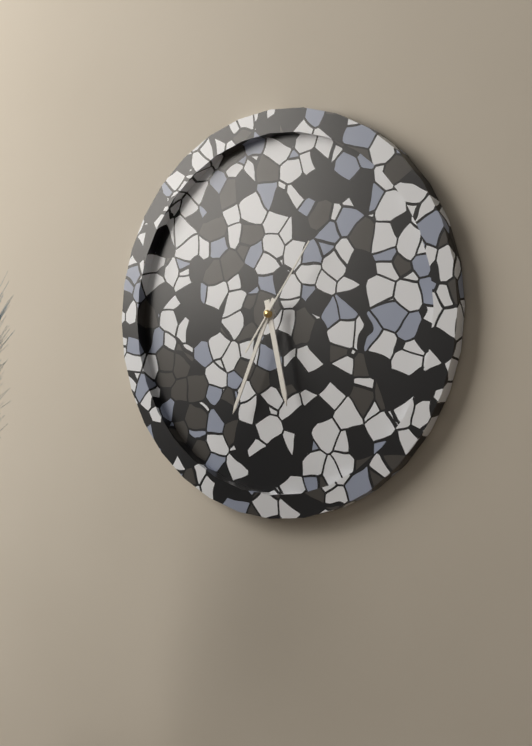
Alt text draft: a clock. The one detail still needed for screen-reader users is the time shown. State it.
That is 5:34:06
